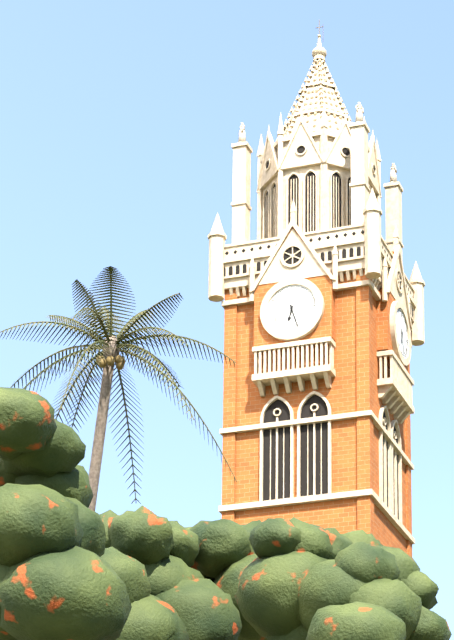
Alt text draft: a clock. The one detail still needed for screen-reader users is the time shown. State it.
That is 6:27
